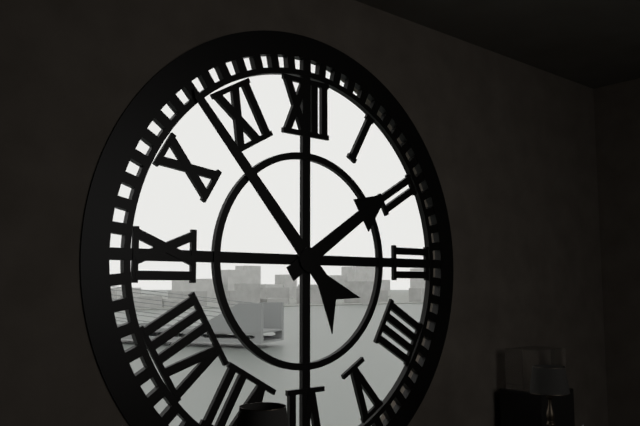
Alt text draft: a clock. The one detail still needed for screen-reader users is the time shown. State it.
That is 1:53
